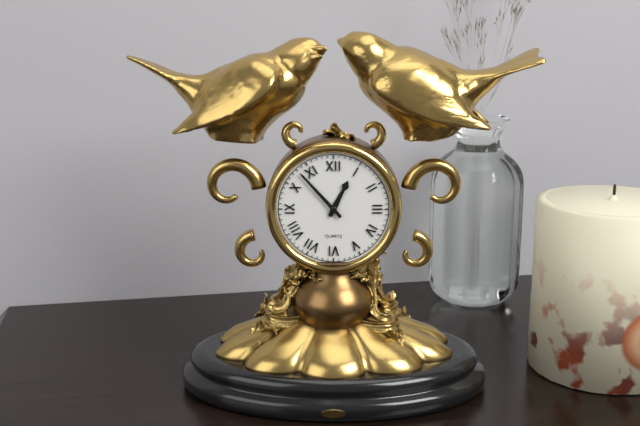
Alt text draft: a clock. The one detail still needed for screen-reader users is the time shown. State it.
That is 12:53
